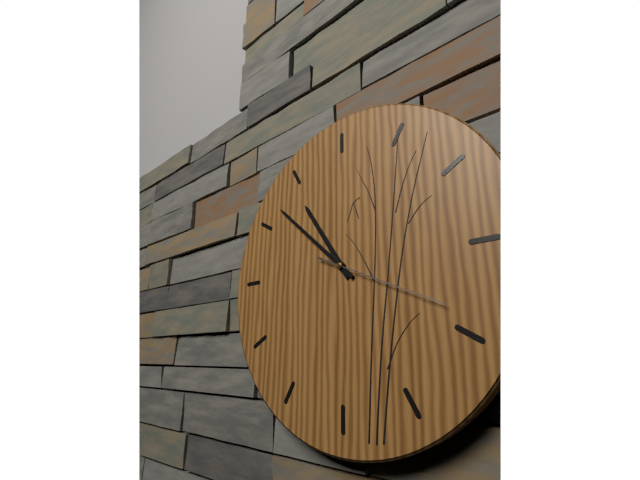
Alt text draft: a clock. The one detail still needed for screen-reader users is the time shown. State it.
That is 10:52:19
